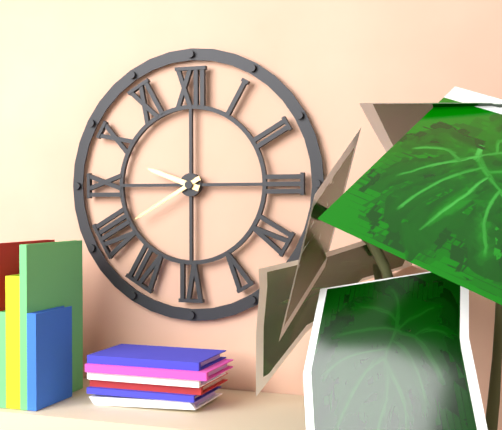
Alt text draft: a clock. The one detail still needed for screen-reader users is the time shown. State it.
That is 9:40
